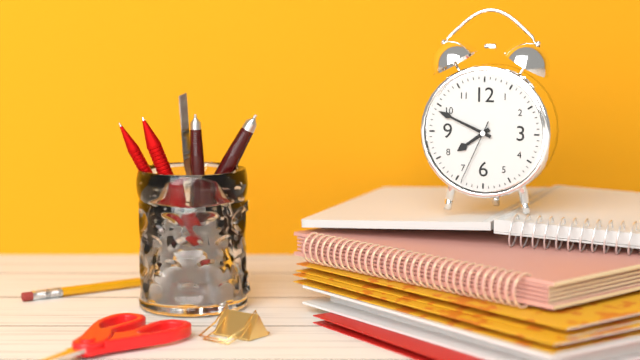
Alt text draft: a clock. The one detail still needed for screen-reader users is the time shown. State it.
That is 7:49:34
